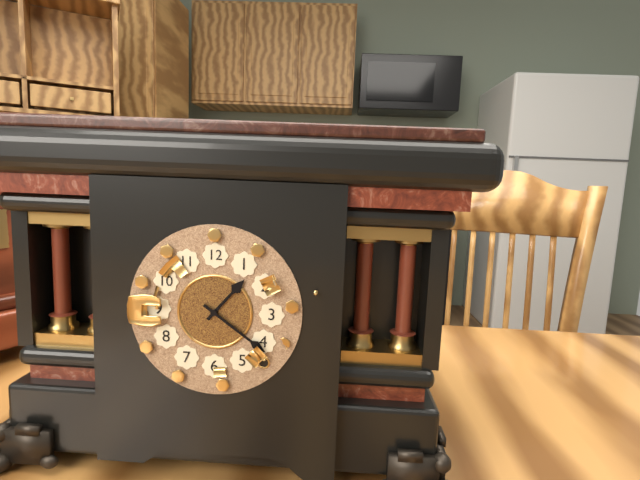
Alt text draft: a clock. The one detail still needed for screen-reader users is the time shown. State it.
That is 1:21
